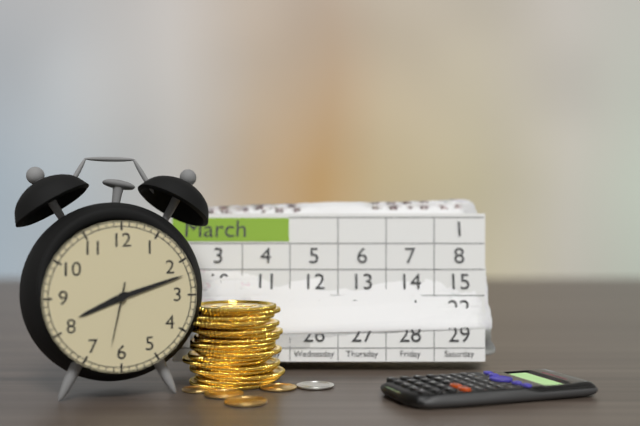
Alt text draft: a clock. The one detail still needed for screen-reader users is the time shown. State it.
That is 8:12:32
